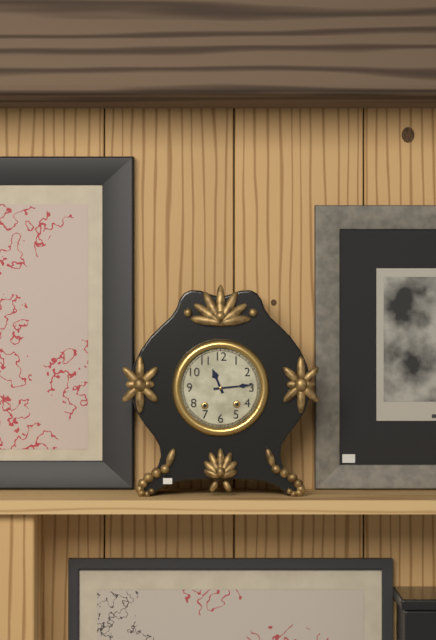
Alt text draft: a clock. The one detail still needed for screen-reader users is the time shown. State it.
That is 11:14
